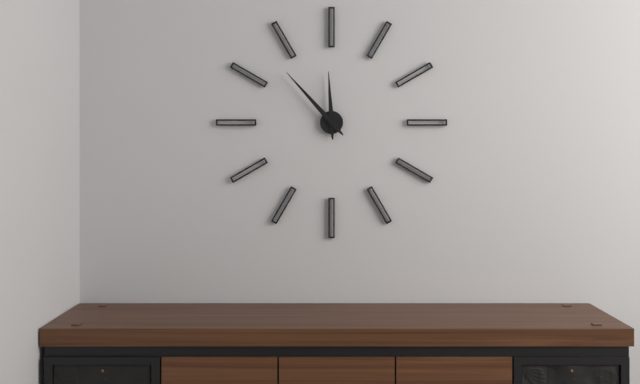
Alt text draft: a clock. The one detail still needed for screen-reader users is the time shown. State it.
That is 11:53
